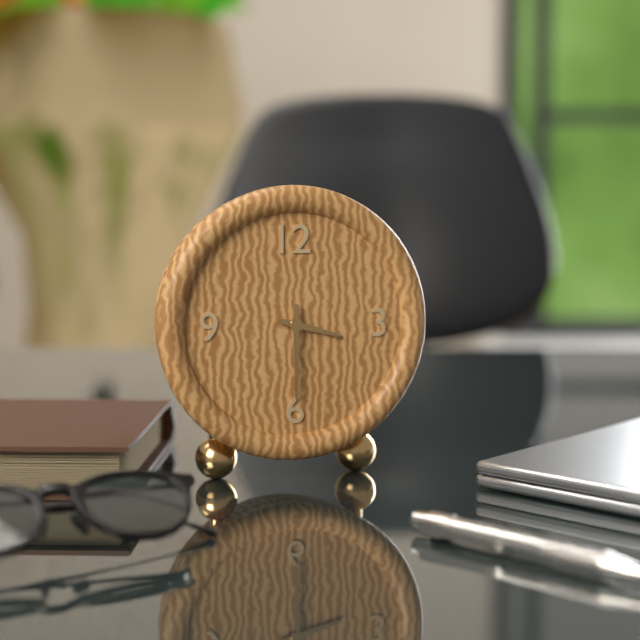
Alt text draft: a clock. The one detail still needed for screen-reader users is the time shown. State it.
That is 3:30
